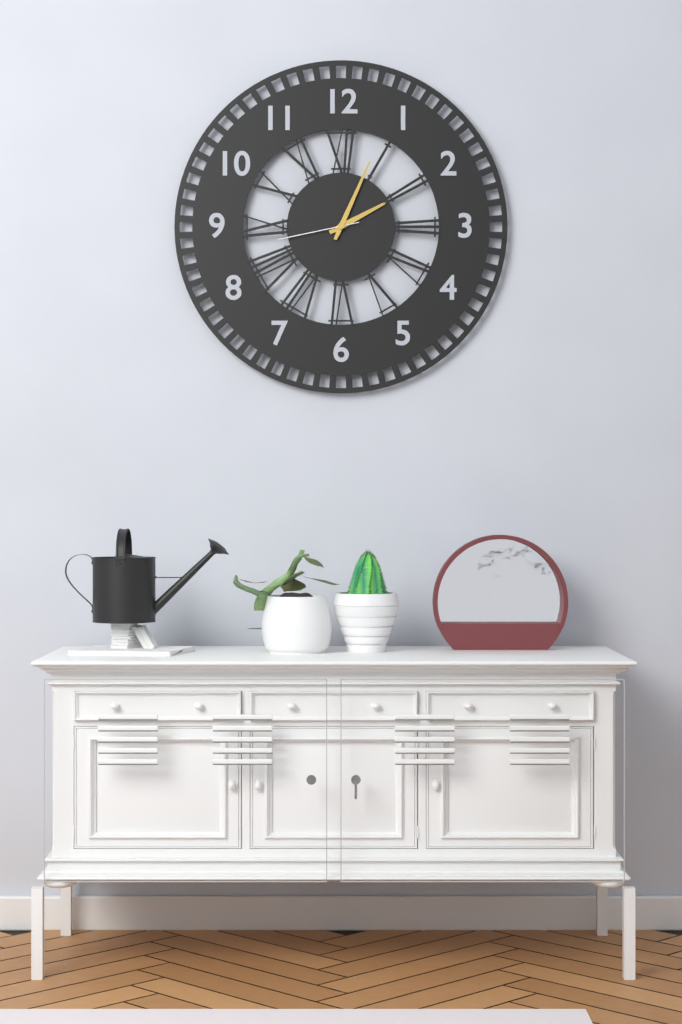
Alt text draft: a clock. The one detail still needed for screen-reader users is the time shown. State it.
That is 2:04:43
